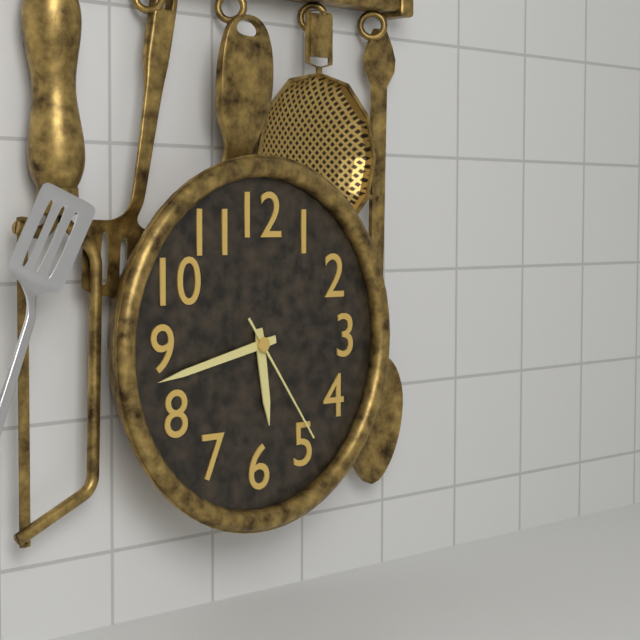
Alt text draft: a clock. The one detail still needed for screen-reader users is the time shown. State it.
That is 5:43:24
